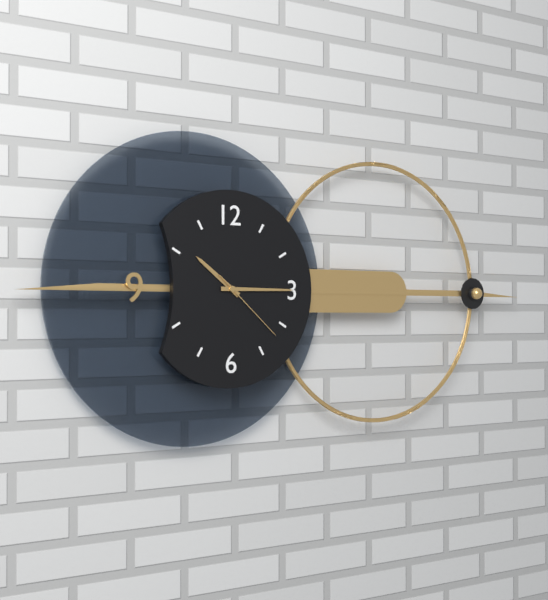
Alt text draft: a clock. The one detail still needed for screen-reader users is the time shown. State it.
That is 10:15:22
